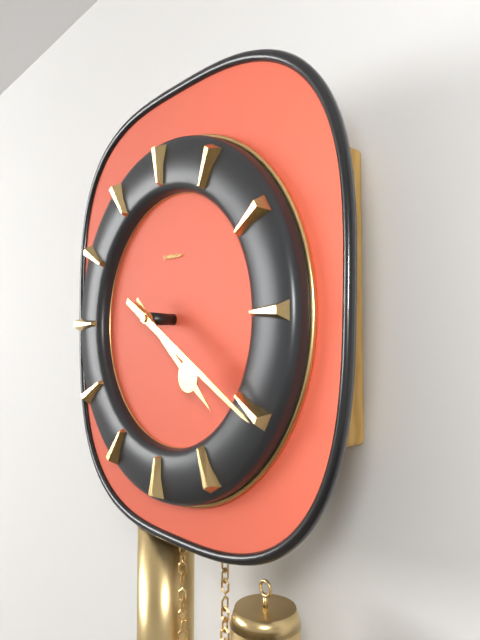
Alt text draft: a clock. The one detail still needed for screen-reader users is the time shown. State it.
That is 4:20
